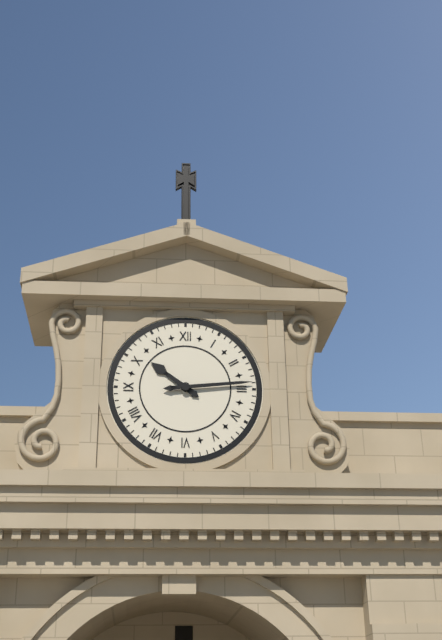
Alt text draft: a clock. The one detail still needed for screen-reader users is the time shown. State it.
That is 10:14
